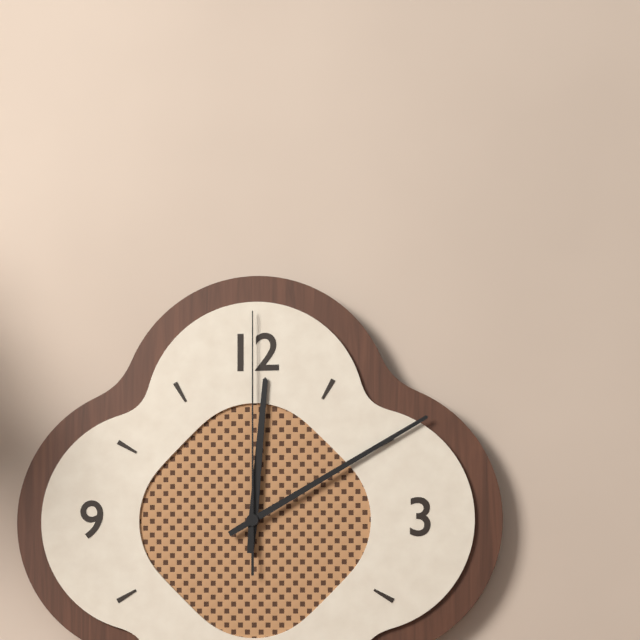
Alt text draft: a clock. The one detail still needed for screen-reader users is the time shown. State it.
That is 12:10:00
